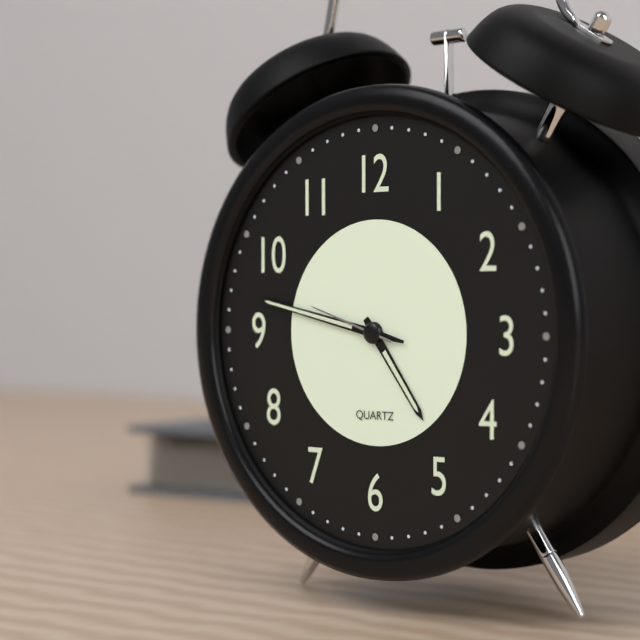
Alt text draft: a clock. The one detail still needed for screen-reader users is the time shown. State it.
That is 4:47:48
